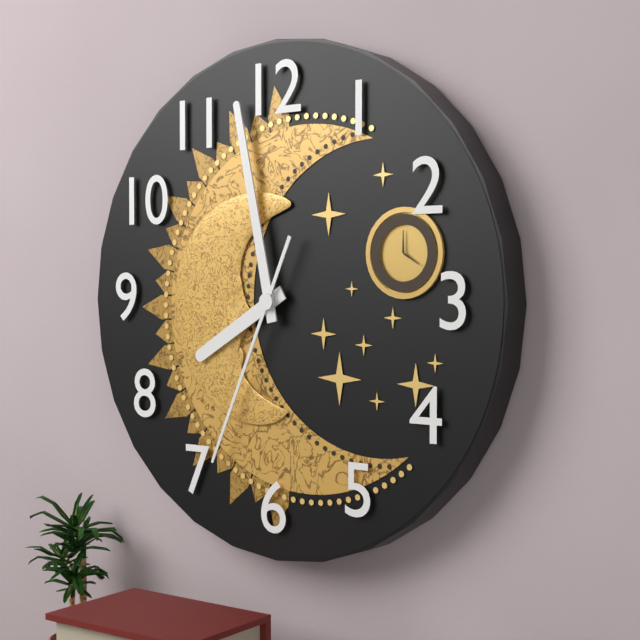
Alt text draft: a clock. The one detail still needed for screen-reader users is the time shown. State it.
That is 7:58:34
